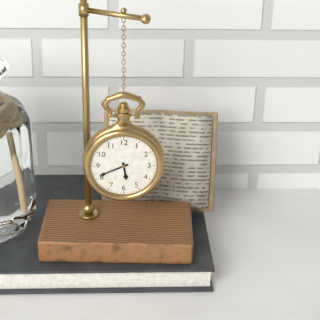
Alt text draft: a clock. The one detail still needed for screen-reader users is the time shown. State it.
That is 5:41
